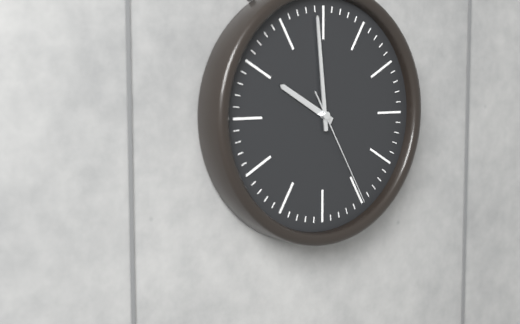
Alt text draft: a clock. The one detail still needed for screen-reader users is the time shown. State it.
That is 9:59:25
